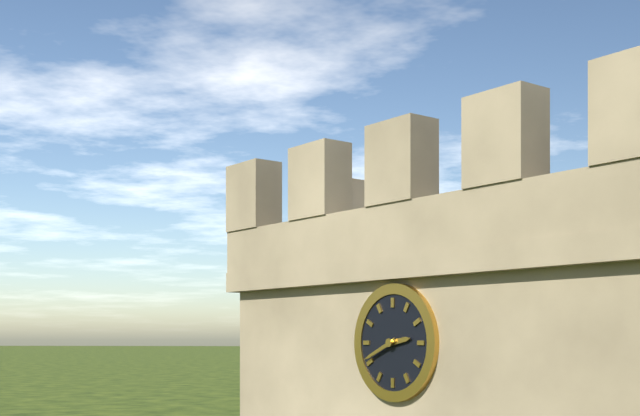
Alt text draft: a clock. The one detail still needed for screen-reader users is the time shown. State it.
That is 2:41
